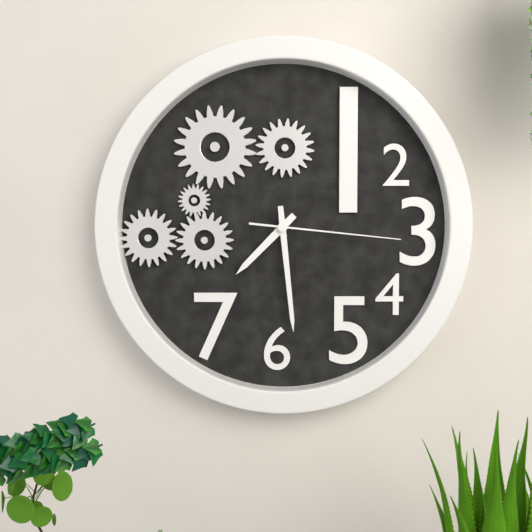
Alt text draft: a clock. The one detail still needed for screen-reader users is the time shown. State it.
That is 7:29:16
